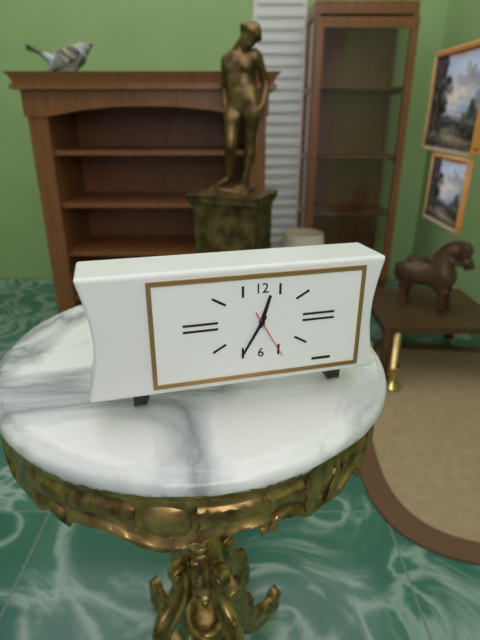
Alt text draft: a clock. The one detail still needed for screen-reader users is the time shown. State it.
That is 12:35
